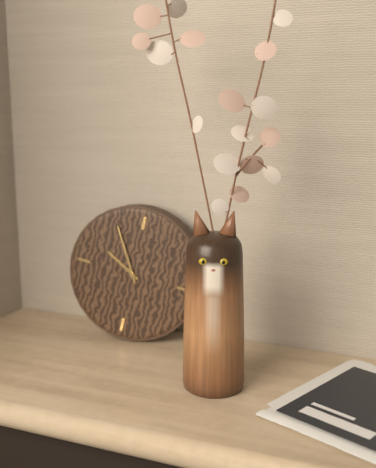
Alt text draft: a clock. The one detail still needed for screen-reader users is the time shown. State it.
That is 9:55
